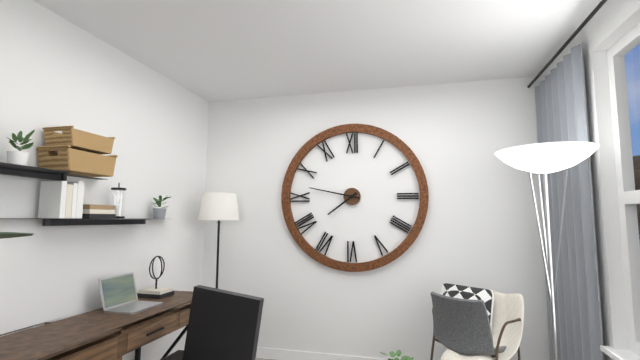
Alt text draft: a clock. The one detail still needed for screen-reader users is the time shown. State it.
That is 7:47
